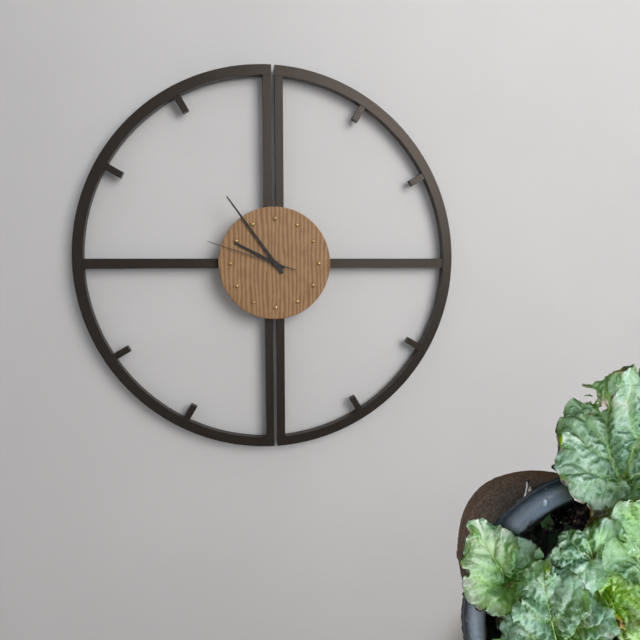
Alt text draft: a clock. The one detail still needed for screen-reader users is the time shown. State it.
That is 9:54:48
